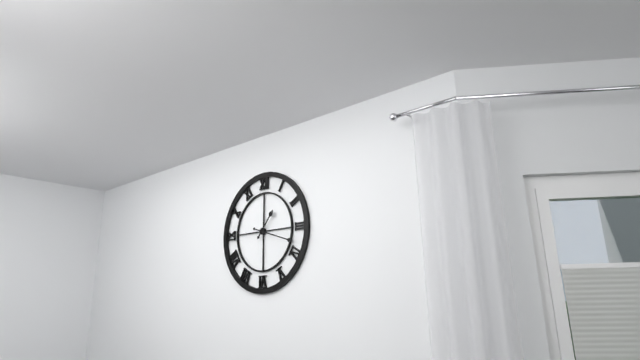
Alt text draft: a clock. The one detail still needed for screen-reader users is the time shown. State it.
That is 1:18
